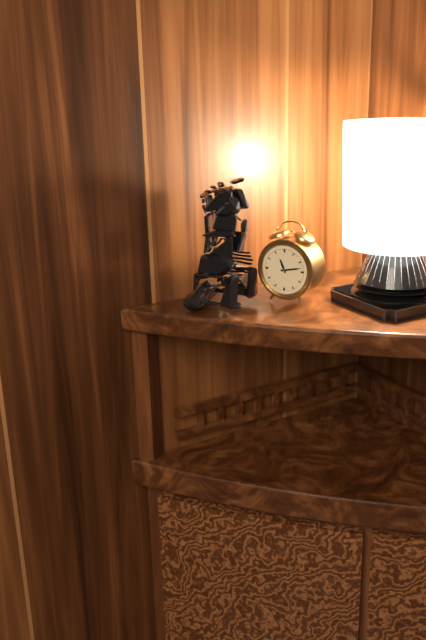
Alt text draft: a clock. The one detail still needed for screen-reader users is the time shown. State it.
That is 11:13
